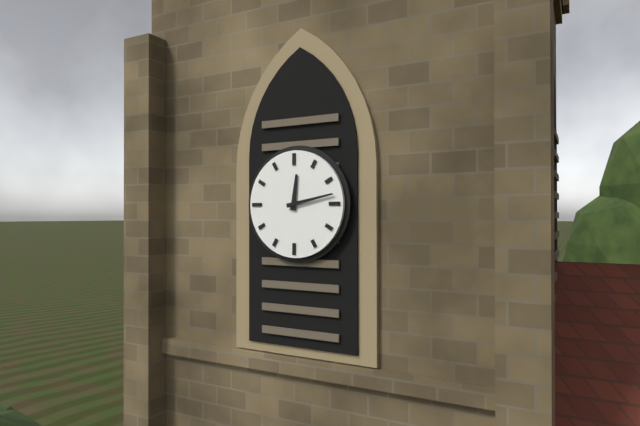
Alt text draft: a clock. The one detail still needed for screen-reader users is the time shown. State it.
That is 12:13
